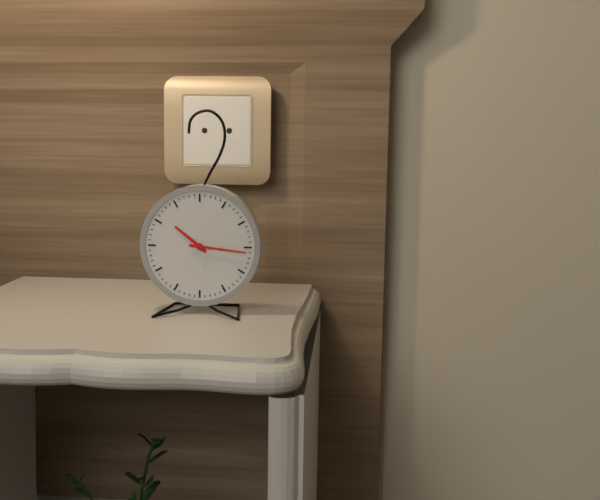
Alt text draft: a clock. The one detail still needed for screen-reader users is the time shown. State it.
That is 10:16
